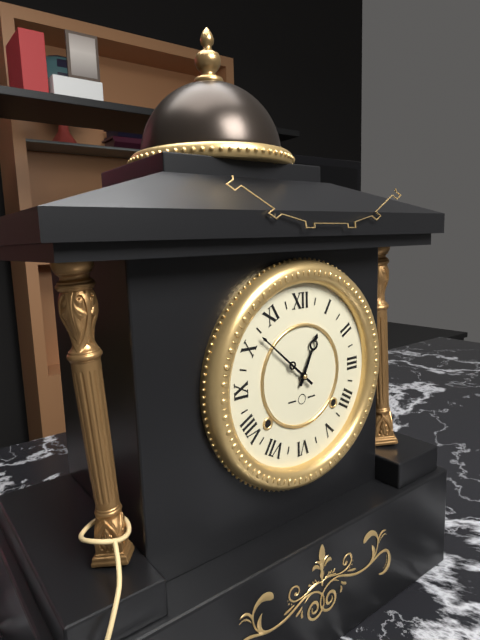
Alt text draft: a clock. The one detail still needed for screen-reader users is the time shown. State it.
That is 12:52
